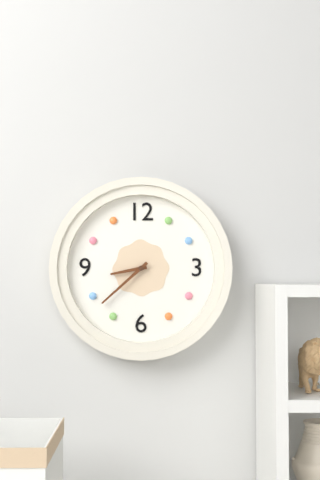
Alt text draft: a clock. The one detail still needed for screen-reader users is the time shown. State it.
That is 8:38
